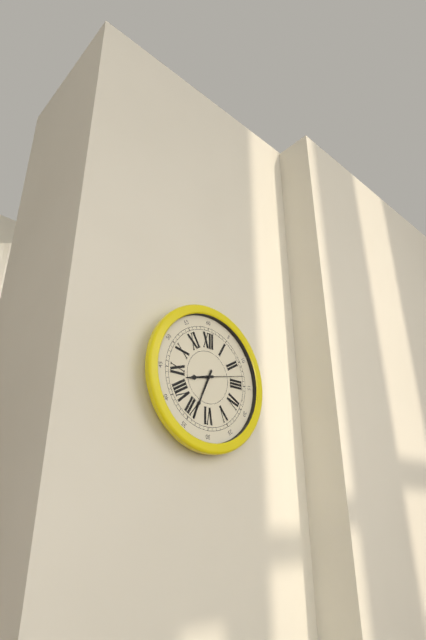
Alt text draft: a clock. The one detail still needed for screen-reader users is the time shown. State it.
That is 8:34
